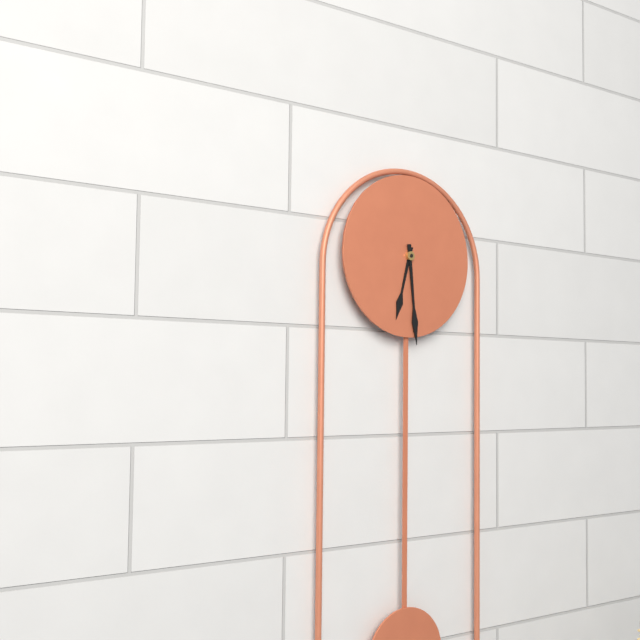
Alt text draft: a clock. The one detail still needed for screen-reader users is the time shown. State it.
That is 6:29
